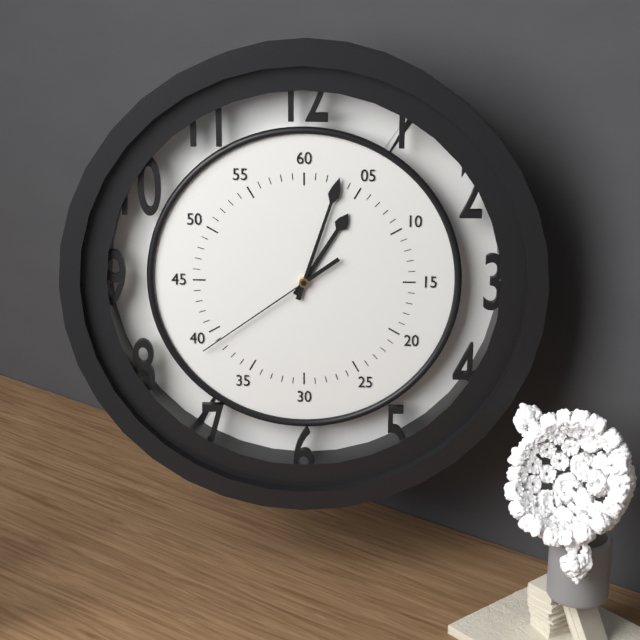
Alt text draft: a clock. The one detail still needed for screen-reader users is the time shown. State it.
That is 1:03:39
